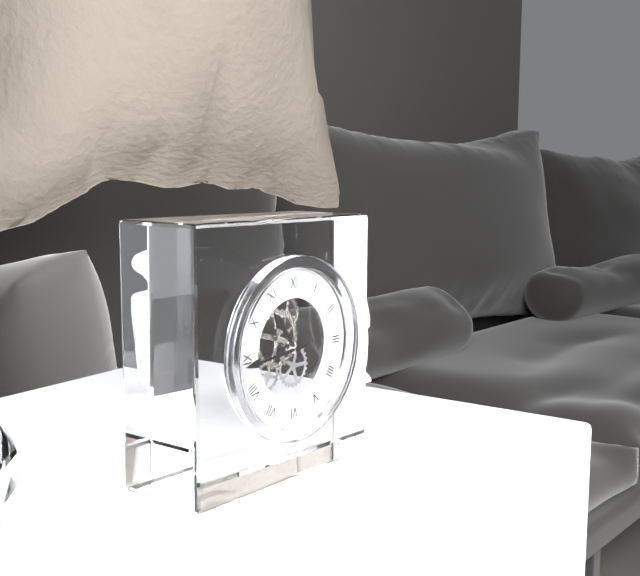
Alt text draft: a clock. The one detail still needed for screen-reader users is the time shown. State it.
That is 10:44
